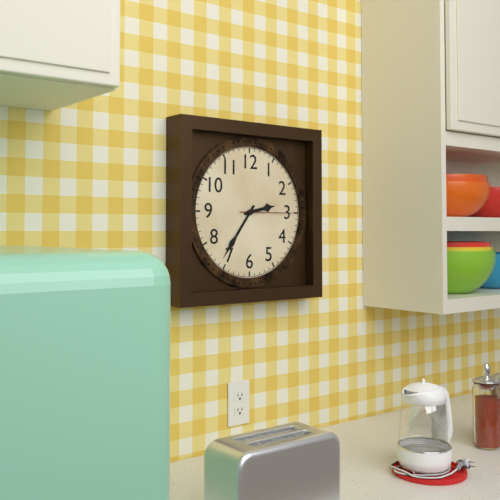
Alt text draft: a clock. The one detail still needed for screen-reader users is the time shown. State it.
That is 2:36:15
